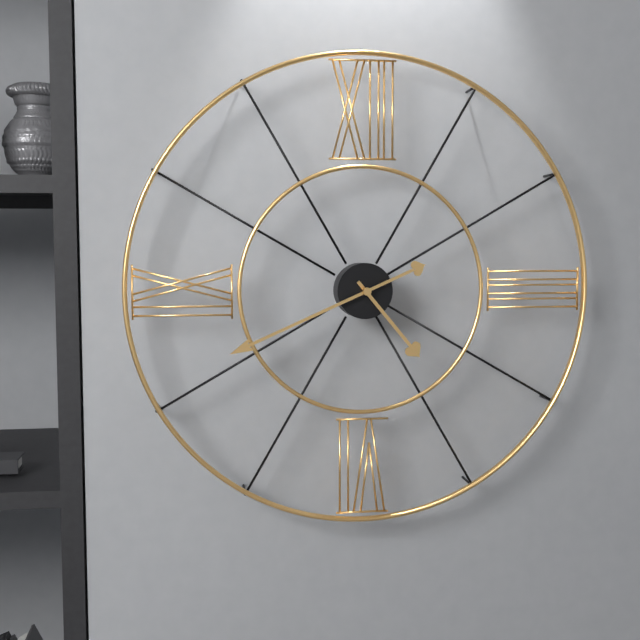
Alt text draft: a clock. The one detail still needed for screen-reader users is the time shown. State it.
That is 4:41
